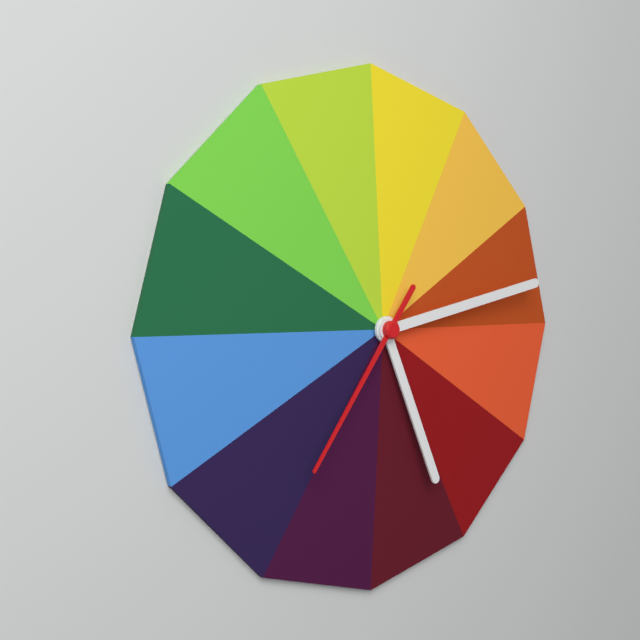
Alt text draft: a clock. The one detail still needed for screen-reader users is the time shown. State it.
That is 5:13:36
